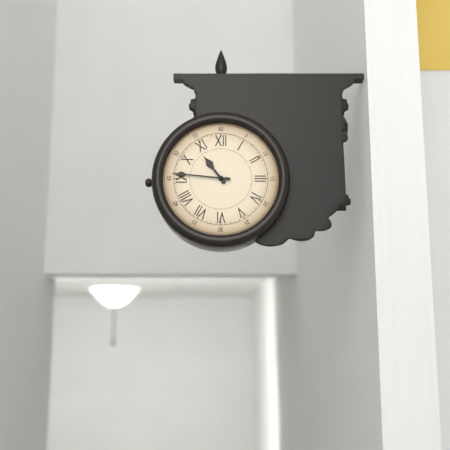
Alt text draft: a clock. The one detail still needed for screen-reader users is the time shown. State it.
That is 10:46
